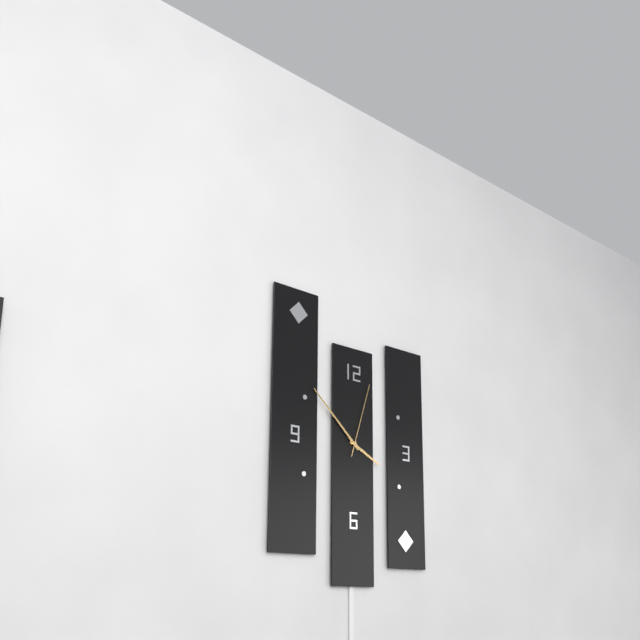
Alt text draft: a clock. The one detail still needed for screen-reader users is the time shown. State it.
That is 3:52:03
